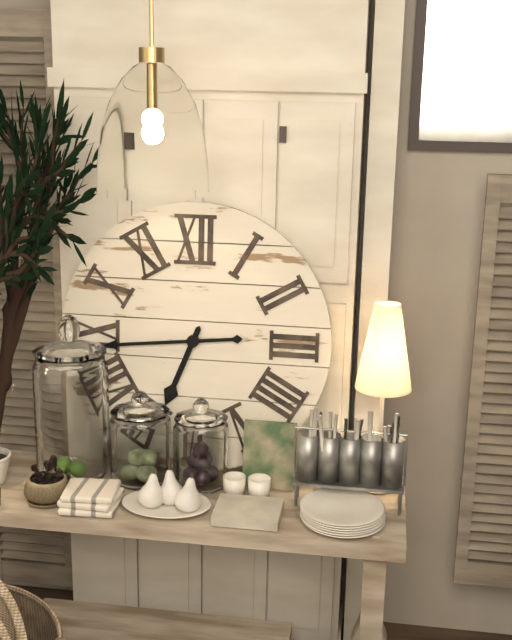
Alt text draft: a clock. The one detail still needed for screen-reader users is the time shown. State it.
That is 6:44
